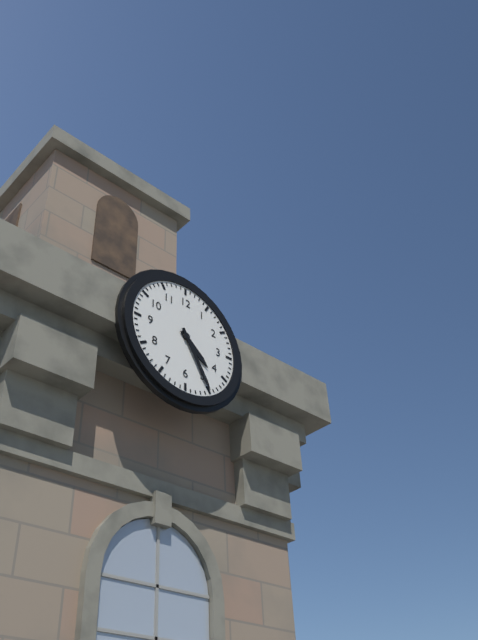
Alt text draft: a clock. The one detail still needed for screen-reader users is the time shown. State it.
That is 4:25
